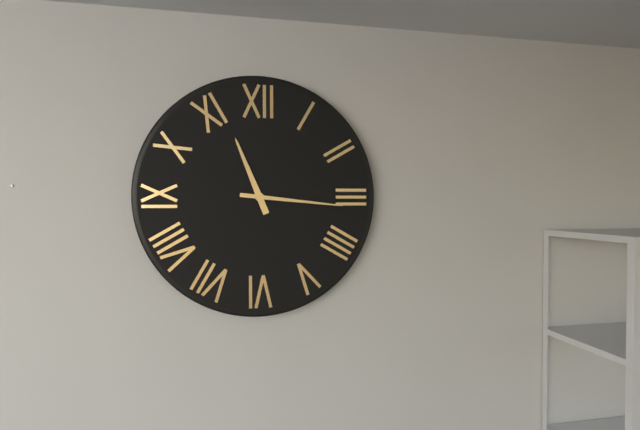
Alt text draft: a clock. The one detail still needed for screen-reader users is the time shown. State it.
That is 11:16
